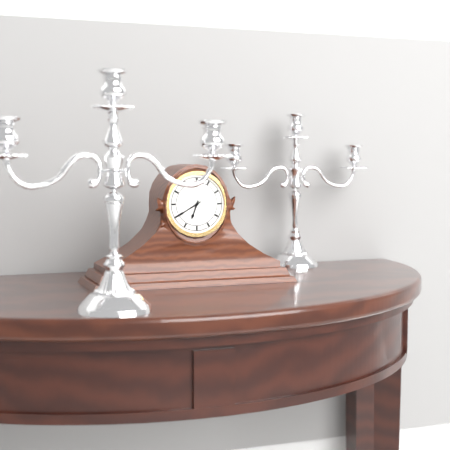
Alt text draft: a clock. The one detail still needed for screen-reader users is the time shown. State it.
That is 6:40
